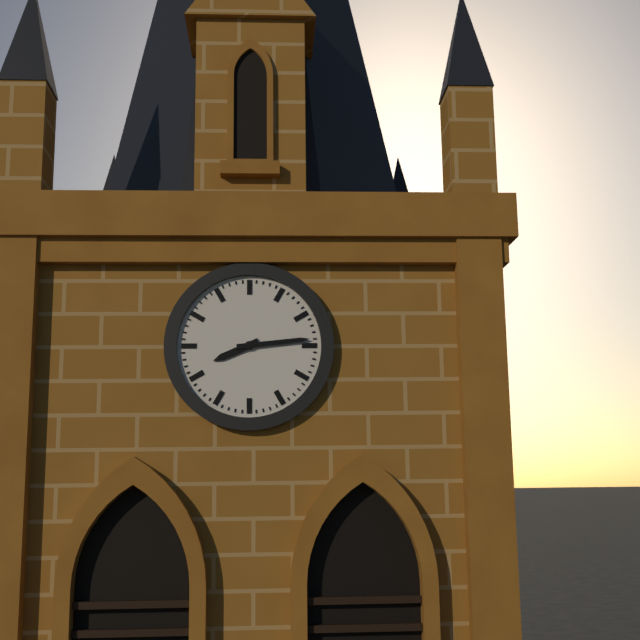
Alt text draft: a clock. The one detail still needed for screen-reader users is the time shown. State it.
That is 8:14
